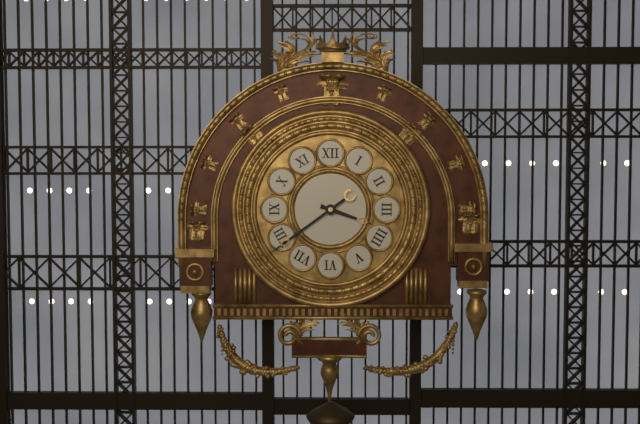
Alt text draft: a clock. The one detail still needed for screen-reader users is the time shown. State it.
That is 3:39
